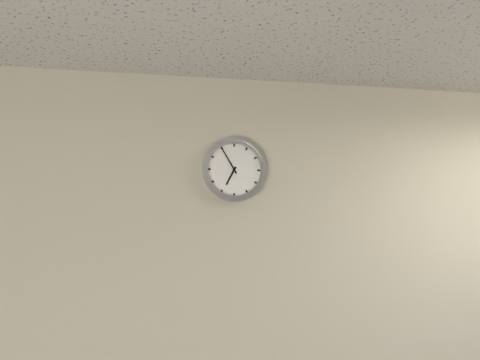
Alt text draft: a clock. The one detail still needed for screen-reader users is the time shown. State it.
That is 6:55
